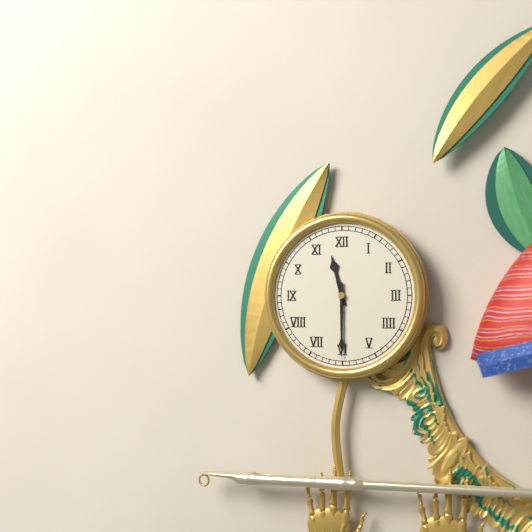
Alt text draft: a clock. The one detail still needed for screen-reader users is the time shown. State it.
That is 11:30
